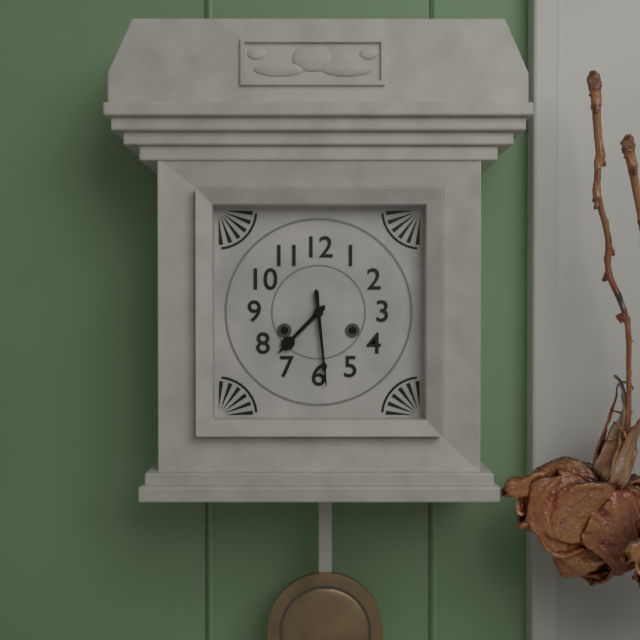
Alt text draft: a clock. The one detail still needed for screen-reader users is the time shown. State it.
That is 7:29
